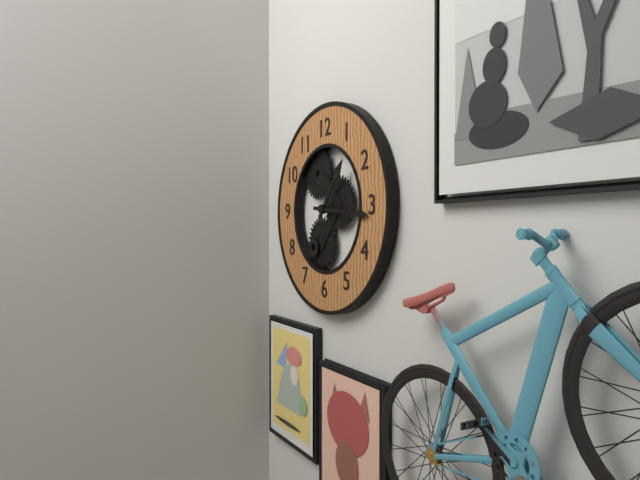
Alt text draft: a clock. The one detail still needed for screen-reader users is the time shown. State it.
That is 1:16
